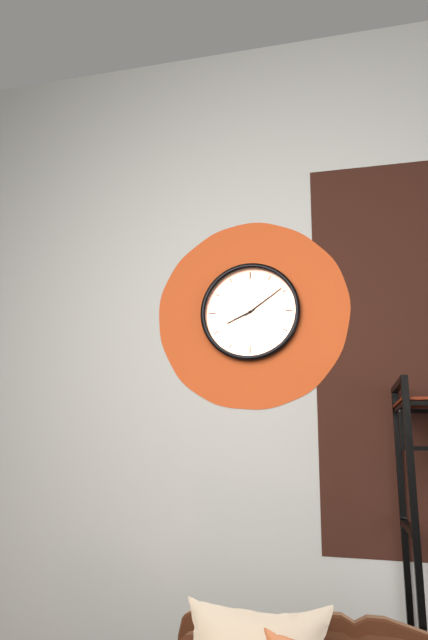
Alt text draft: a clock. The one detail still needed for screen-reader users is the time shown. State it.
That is 8:09
